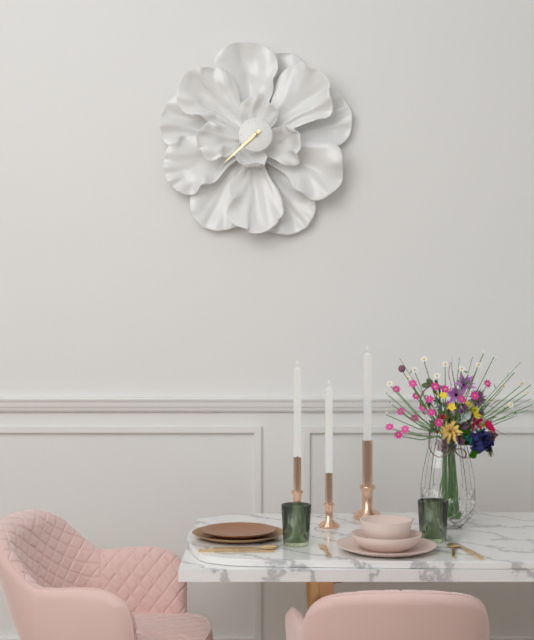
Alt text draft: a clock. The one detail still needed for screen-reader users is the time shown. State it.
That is 7:38
